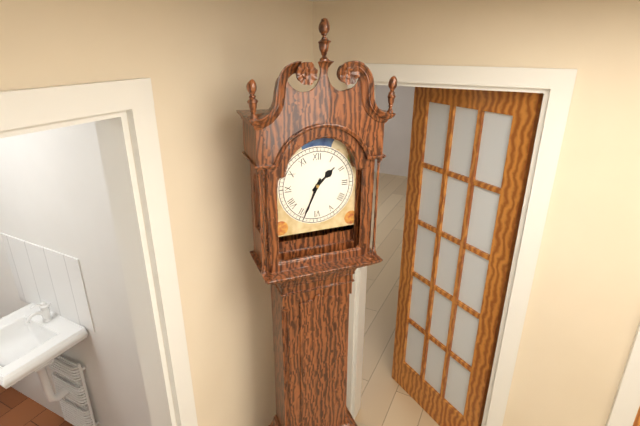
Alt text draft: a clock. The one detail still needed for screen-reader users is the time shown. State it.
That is 1:34
